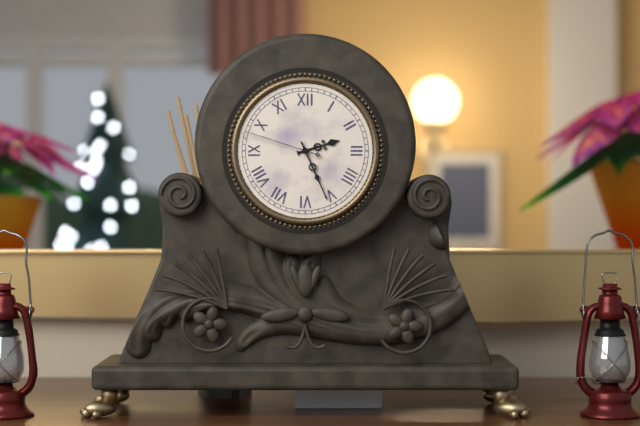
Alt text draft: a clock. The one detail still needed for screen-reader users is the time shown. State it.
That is 2:26:48
